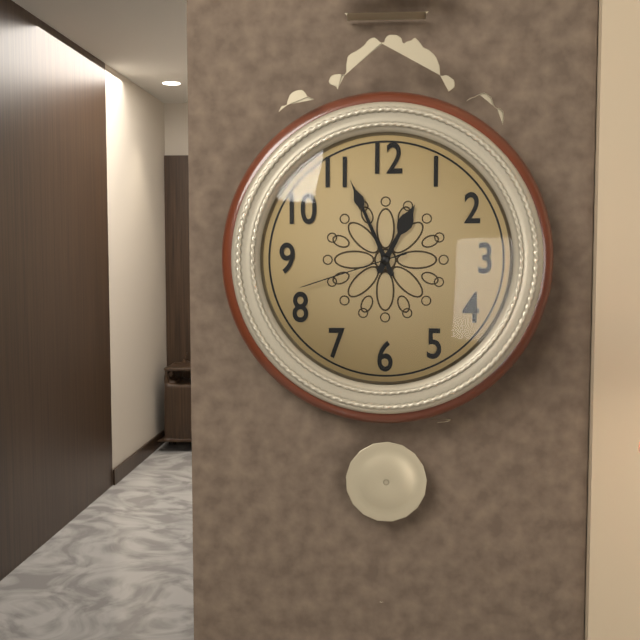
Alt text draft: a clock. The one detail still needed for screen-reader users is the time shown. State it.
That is 12:56:42
